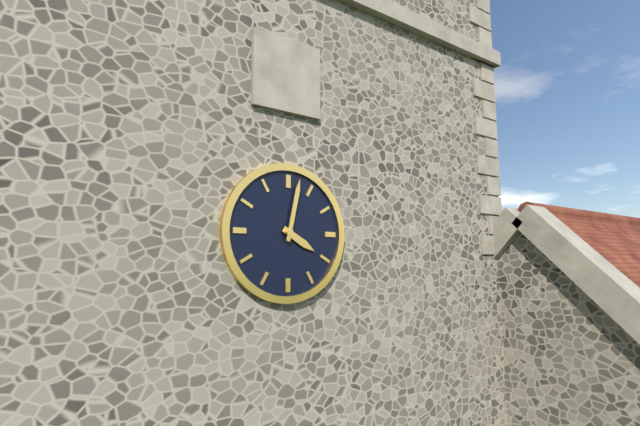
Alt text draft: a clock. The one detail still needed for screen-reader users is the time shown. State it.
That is 4:02
